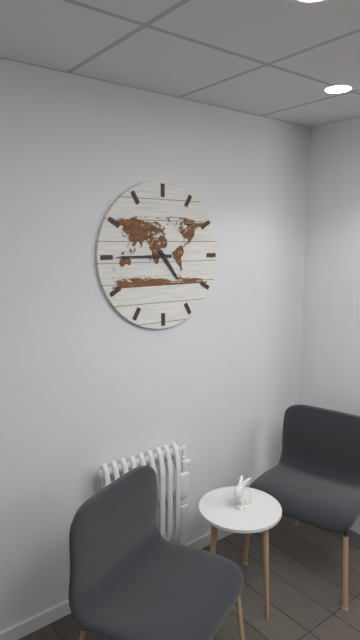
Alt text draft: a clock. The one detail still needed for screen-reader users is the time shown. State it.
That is 4:45
